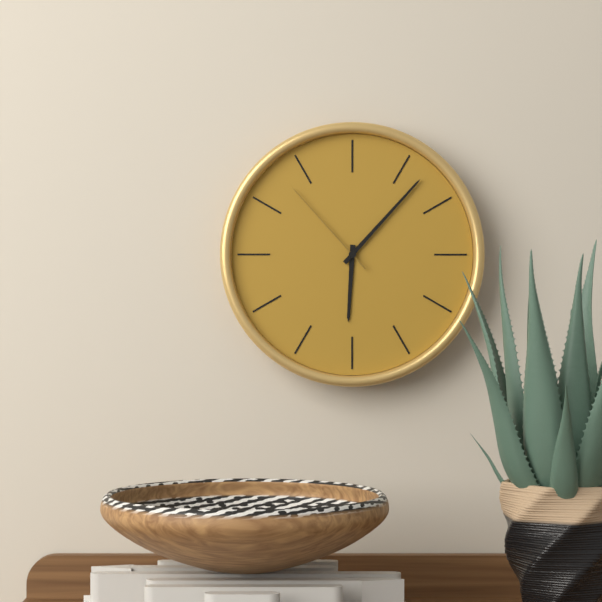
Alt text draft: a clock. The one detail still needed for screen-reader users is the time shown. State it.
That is 6:07:53
